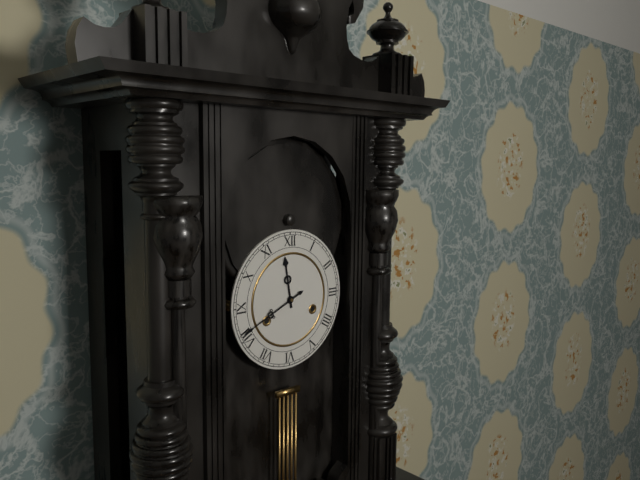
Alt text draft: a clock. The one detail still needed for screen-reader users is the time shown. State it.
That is 11:41
